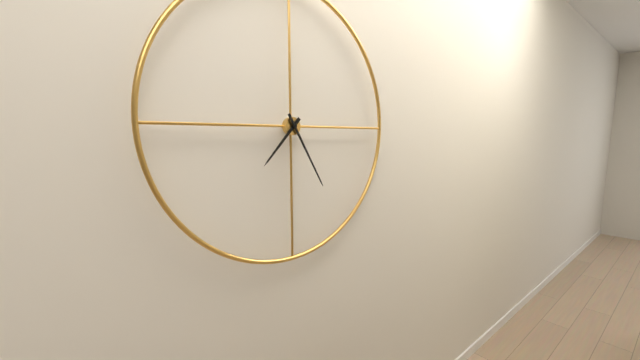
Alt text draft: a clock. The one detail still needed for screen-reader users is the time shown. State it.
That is 7:25
